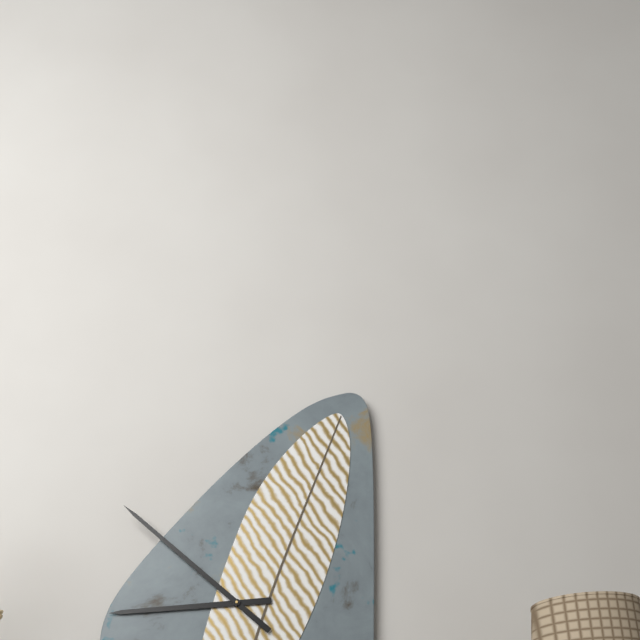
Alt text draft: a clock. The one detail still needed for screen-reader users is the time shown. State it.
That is 8:52
